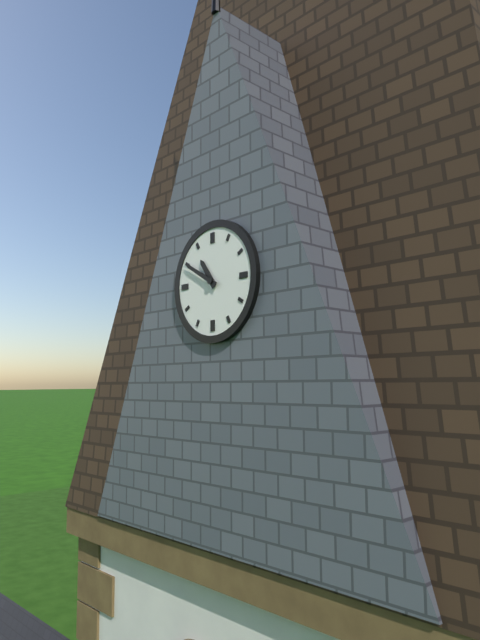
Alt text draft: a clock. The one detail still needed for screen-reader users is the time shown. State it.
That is 10:50
